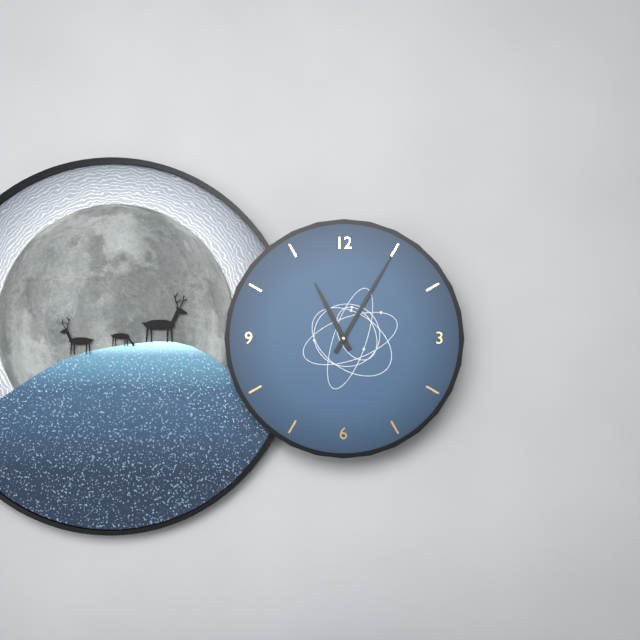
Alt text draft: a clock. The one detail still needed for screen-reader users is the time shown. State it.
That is 11:05
